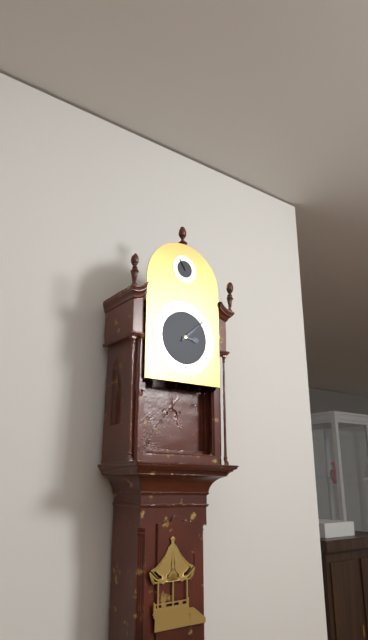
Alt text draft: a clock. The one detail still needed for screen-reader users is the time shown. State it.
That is 3:08
